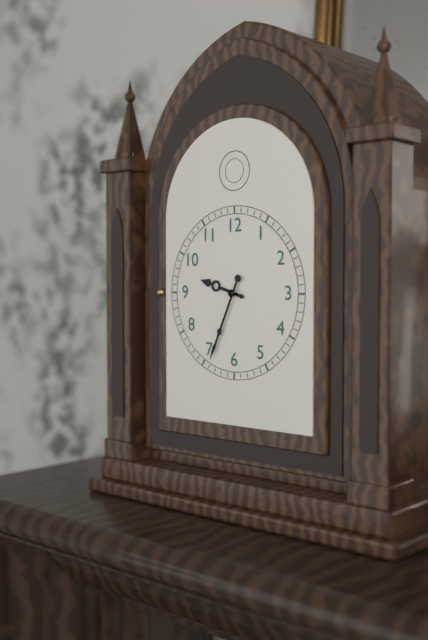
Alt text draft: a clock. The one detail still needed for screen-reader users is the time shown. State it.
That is 9:34
